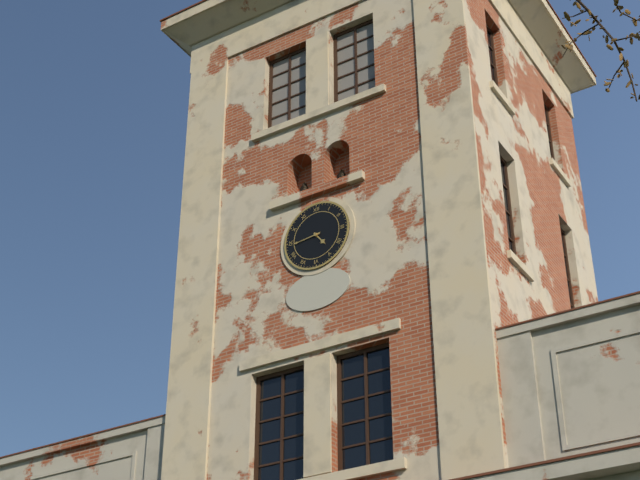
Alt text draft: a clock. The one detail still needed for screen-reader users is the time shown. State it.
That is 4:44
